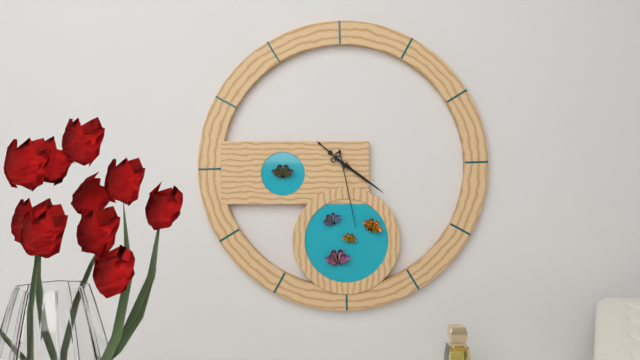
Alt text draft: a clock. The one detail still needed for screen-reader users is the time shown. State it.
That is 10:21:28
